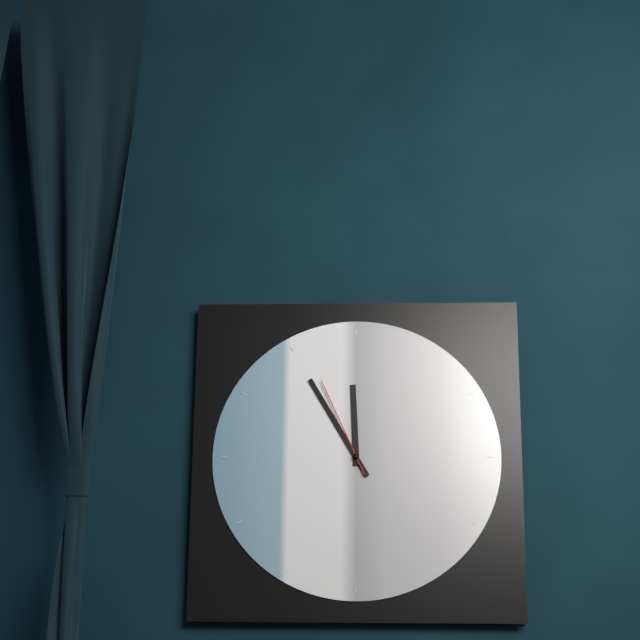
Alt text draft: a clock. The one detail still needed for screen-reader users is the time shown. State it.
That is 11:55:56
